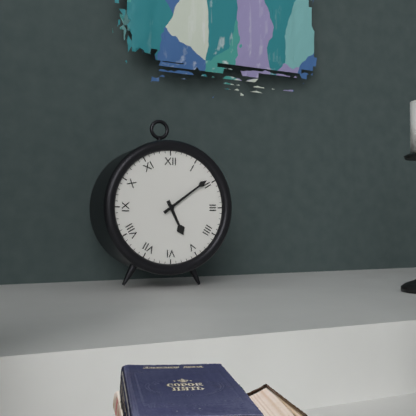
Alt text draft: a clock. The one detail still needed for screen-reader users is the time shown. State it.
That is 5:09
